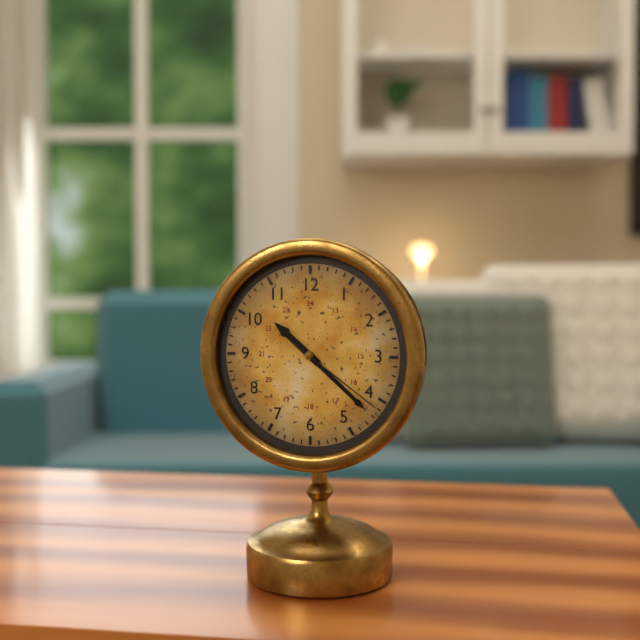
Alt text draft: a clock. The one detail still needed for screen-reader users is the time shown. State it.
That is 10:22:21
